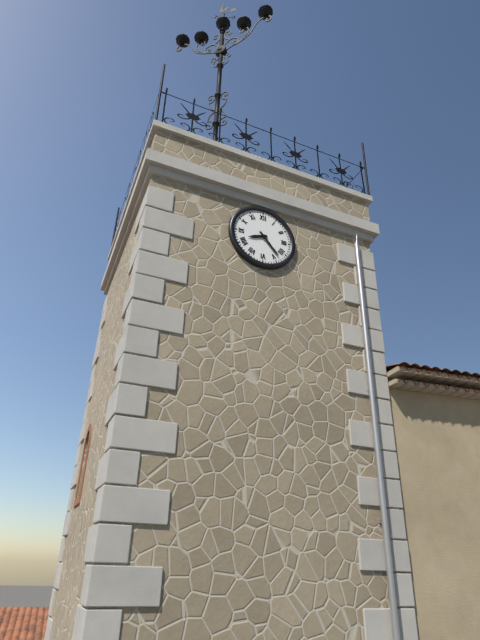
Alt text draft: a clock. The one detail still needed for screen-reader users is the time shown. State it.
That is 8:23
